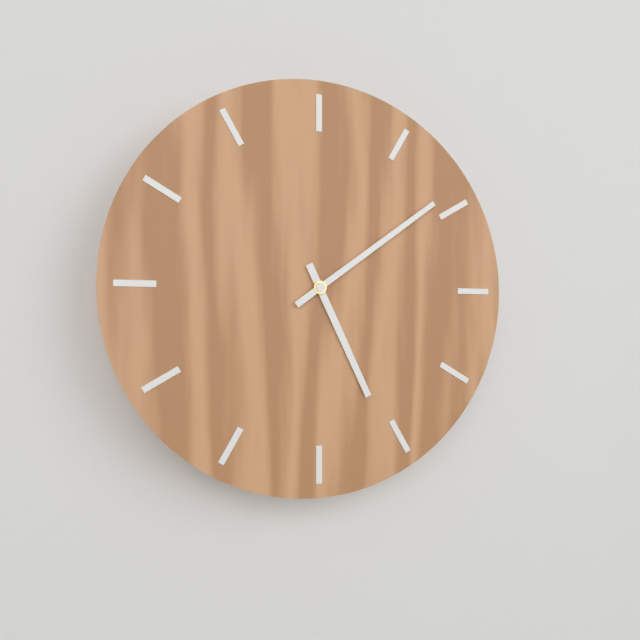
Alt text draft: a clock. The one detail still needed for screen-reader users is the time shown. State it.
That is 5:09
